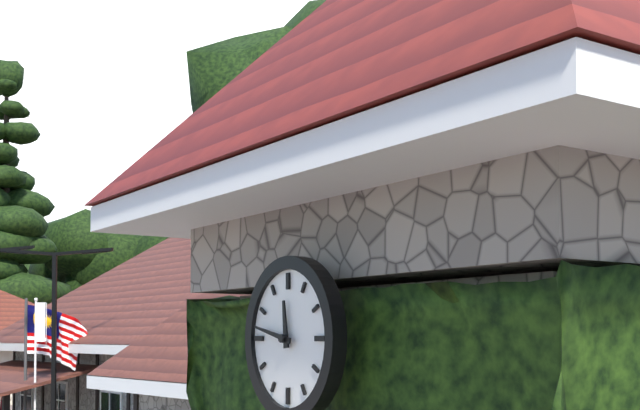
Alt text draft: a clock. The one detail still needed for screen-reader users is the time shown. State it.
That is 11:47
